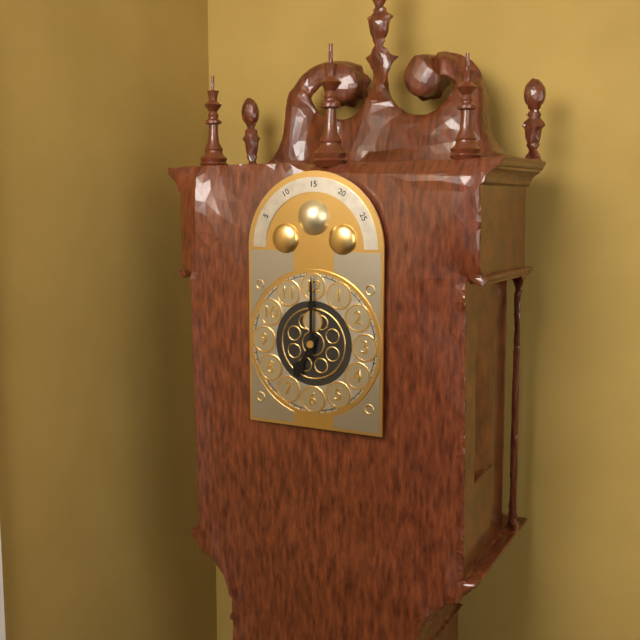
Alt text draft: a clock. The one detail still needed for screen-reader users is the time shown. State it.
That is 7:00
